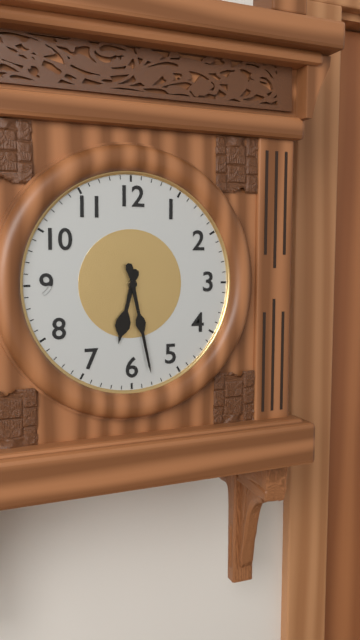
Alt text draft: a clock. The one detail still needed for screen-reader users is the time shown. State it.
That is 6:28
